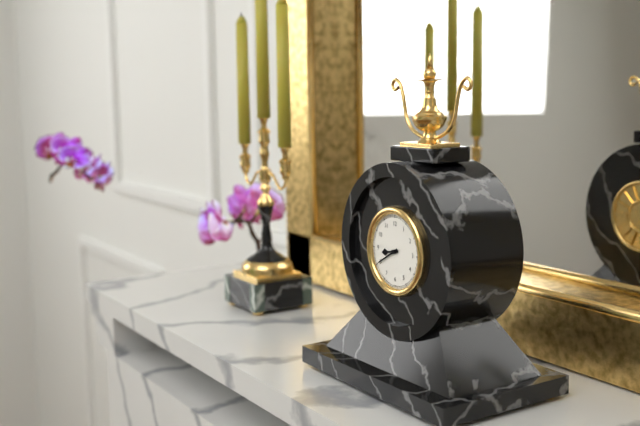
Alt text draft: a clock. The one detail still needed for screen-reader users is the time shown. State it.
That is 8:40
